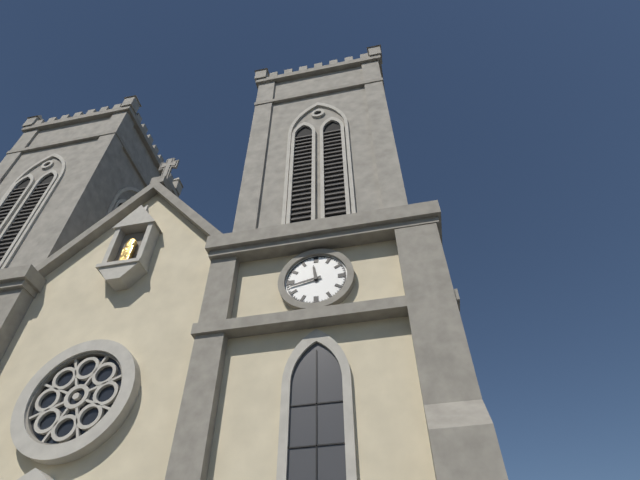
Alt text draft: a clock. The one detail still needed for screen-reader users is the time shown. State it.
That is 11:43
